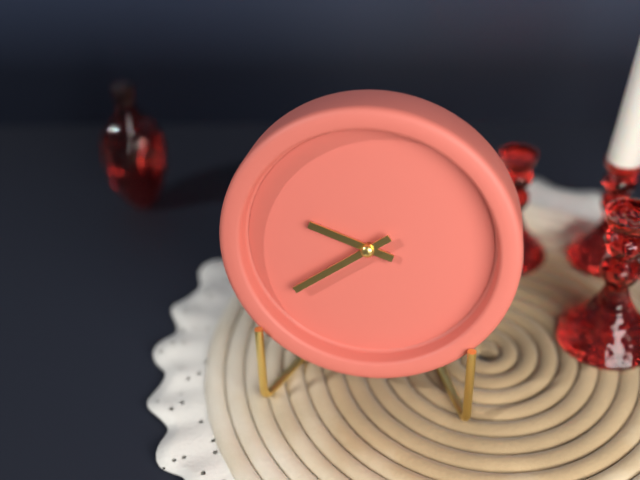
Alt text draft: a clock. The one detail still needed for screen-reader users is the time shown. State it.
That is 9:39
